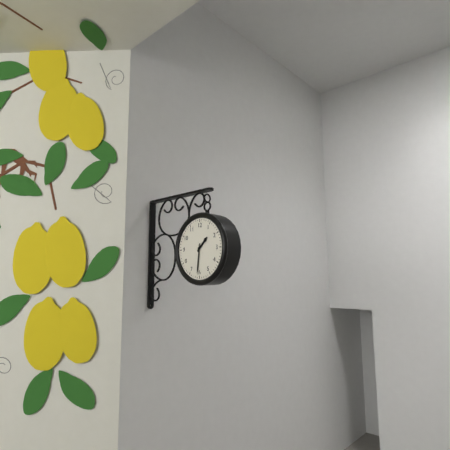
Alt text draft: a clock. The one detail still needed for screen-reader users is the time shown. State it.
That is 1:31
